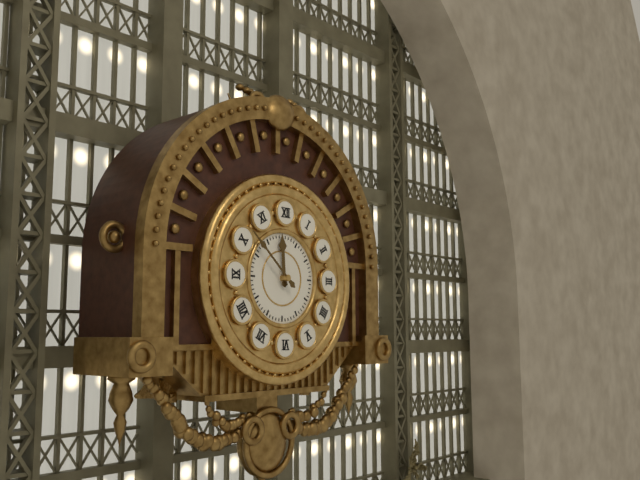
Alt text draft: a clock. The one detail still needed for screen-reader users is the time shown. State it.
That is 11:52
